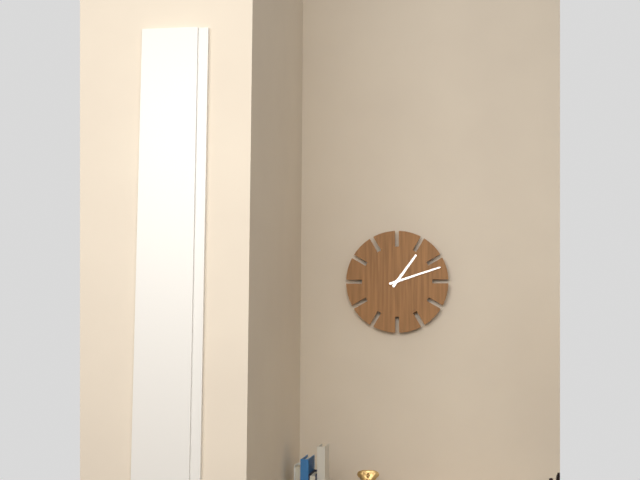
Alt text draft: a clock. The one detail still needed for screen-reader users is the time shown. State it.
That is 1:12
